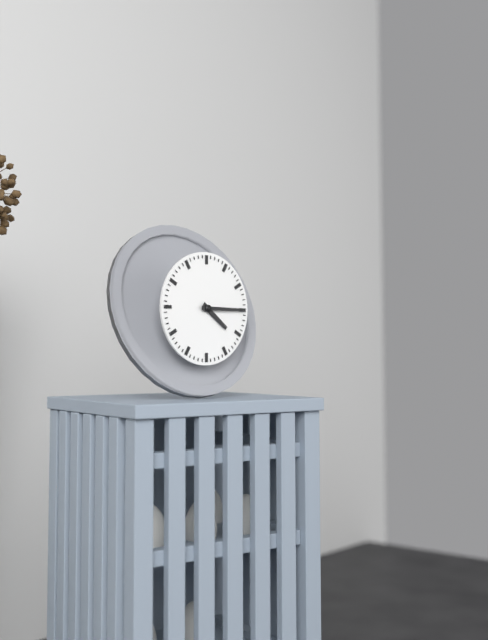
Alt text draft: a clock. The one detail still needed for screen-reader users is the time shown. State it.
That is 4:15
